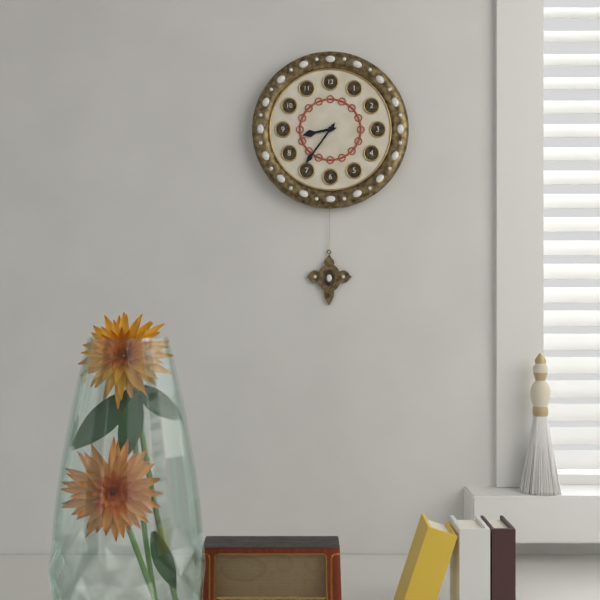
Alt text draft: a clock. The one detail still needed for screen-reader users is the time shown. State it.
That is 8:36
